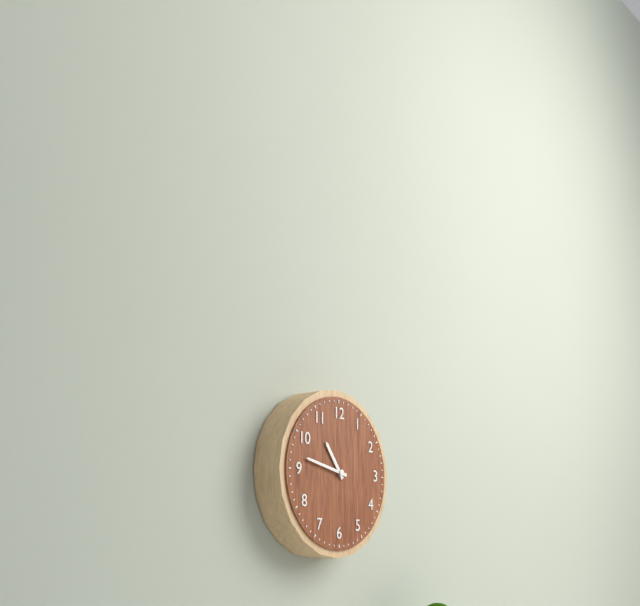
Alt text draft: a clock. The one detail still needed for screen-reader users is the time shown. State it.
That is 10:47
